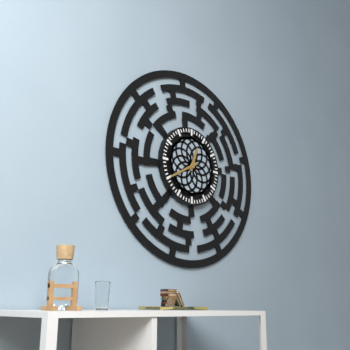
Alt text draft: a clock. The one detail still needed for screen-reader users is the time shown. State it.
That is 12:40
